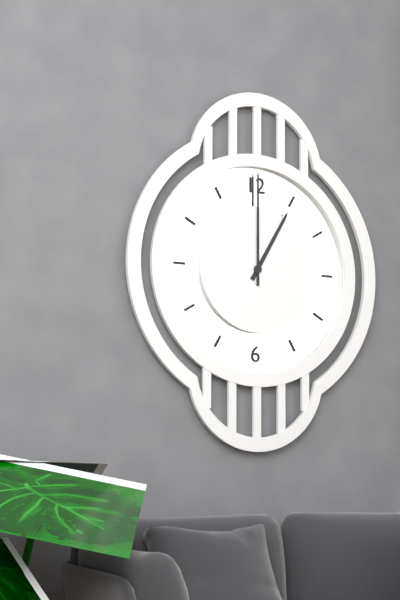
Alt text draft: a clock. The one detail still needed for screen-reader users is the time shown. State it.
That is 1:00
